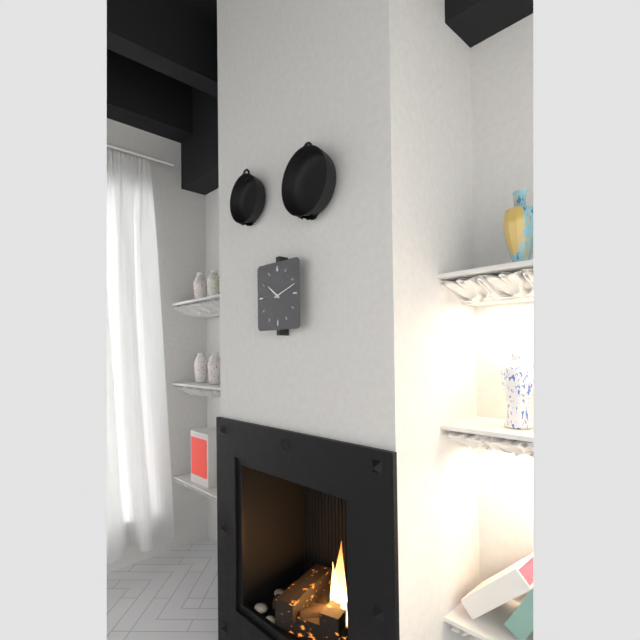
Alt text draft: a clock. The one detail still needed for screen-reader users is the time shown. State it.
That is 10:12
